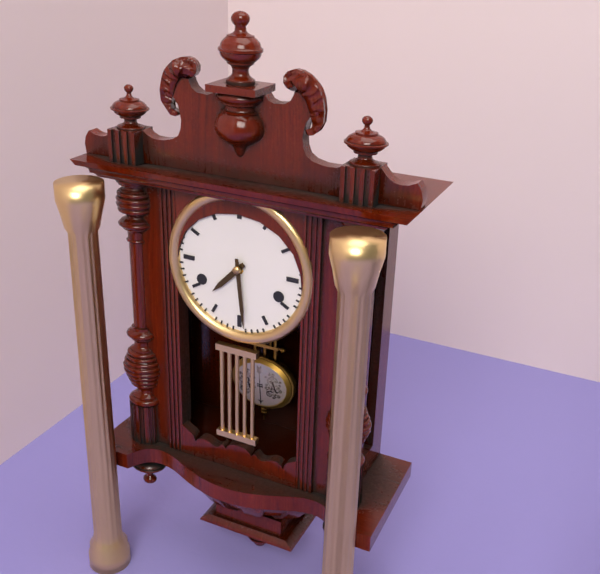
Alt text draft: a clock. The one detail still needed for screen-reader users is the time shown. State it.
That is 7:29
